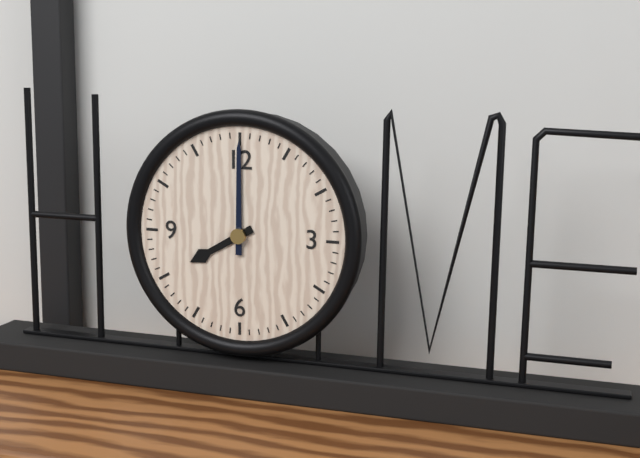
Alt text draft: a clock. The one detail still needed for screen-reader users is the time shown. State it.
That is 8:00
